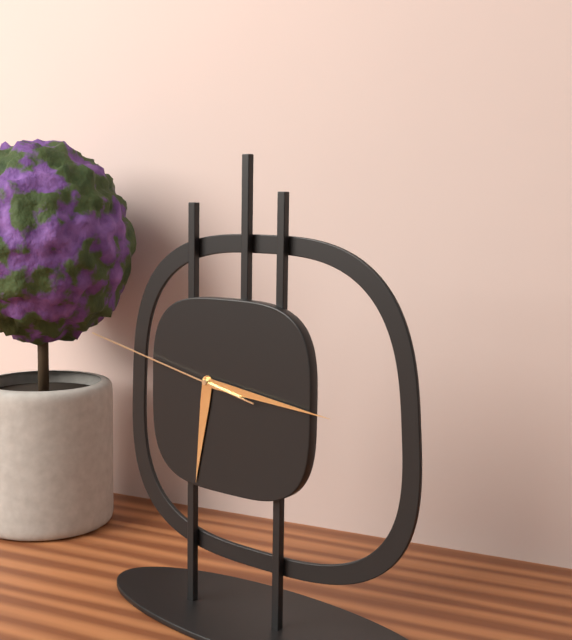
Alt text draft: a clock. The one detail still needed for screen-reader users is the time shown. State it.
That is 6:16:47
